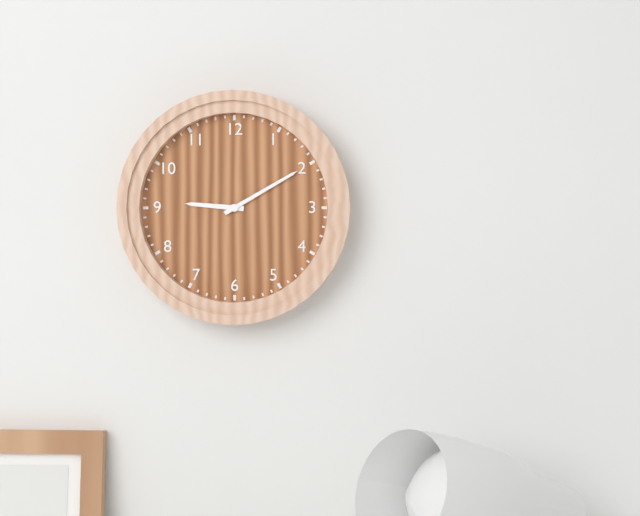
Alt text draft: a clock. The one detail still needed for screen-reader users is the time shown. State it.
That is 9:10
